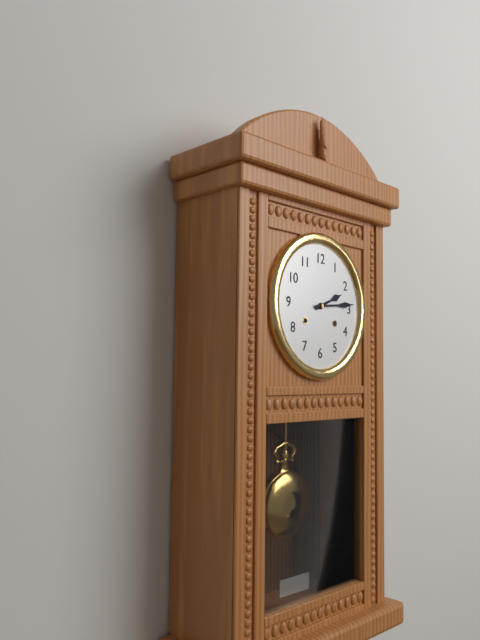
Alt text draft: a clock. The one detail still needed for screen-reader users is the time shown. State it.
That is 2:14
